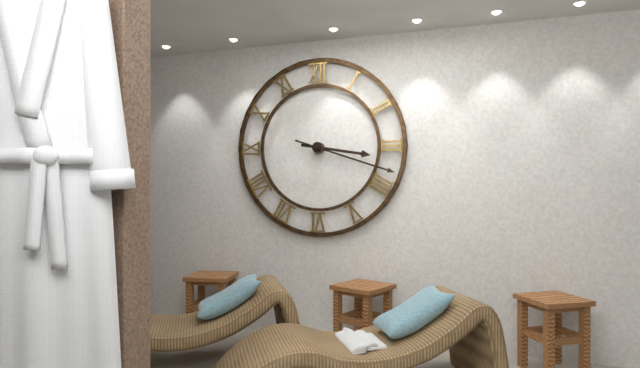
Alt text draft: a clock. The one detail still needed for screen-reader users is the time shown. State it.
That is 3:18
